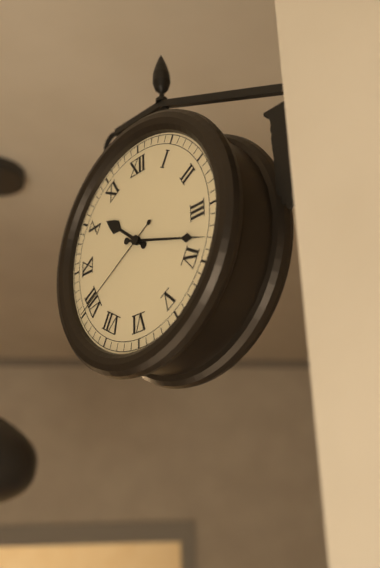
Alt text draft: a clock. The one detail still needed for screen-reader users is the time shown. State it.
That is 10:18:40
